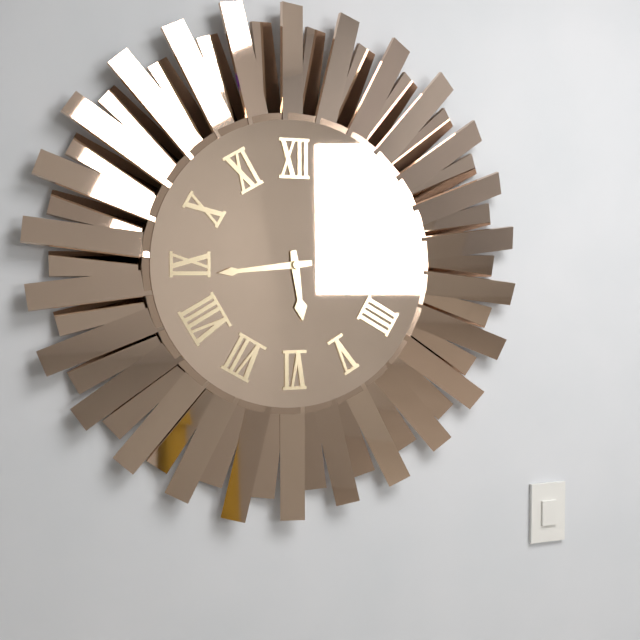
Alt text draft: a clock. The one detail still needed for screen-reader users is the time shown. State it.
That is 5:44
